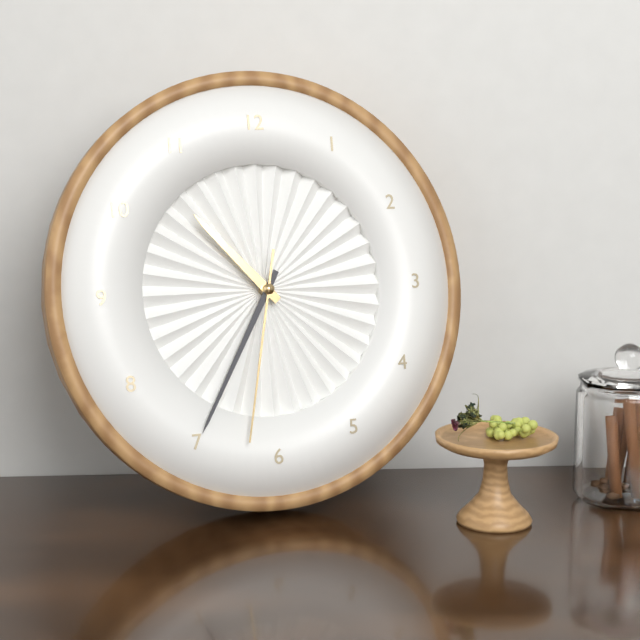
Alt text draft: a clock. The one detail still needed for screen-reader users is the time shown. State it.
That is 10:35:32
